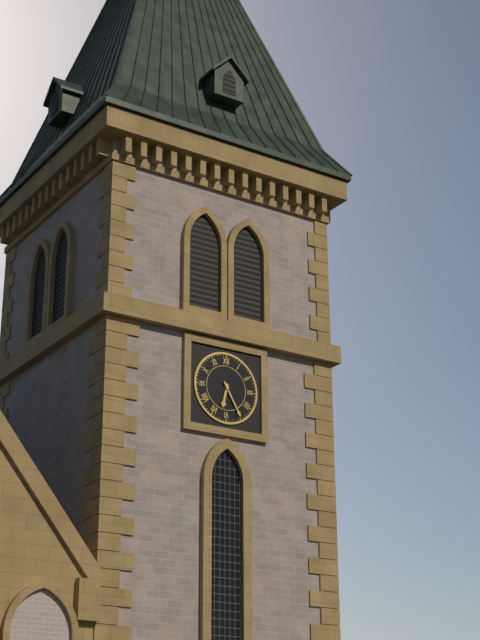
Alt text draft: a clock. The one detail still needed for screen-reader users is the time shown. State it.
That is 6:25
